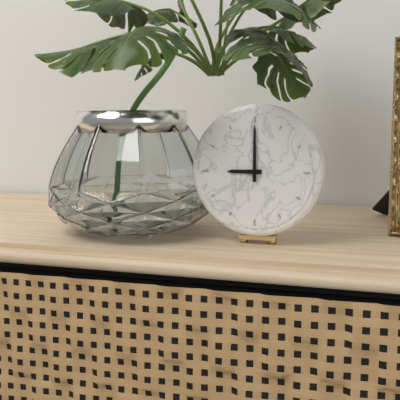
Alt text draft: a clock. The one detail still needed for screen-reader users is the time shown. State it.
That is 9:00
